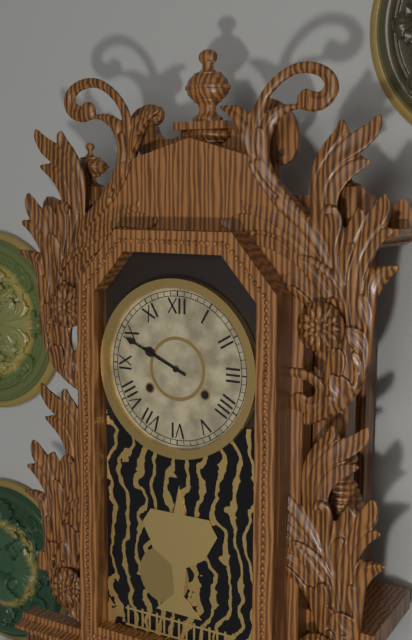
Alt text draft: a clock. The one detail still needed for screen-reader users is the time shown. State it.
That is 9:49
